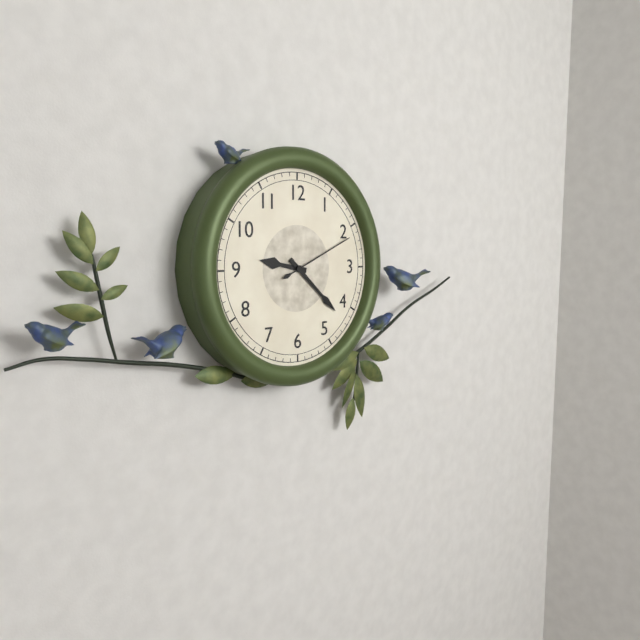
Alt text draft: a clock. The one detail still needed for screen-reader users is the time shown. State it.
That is 9:22:11
